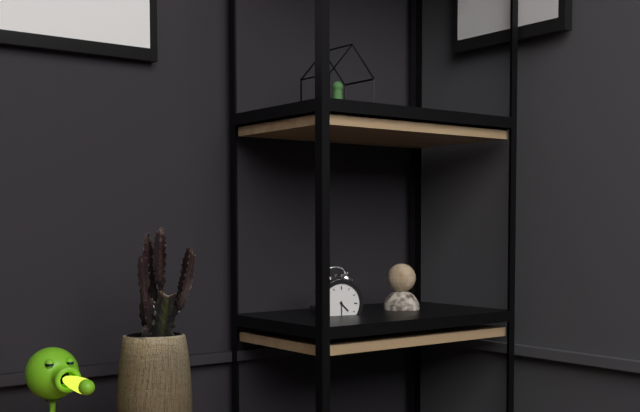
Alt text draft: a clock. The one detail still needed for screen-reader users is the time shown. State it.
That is 4:30
